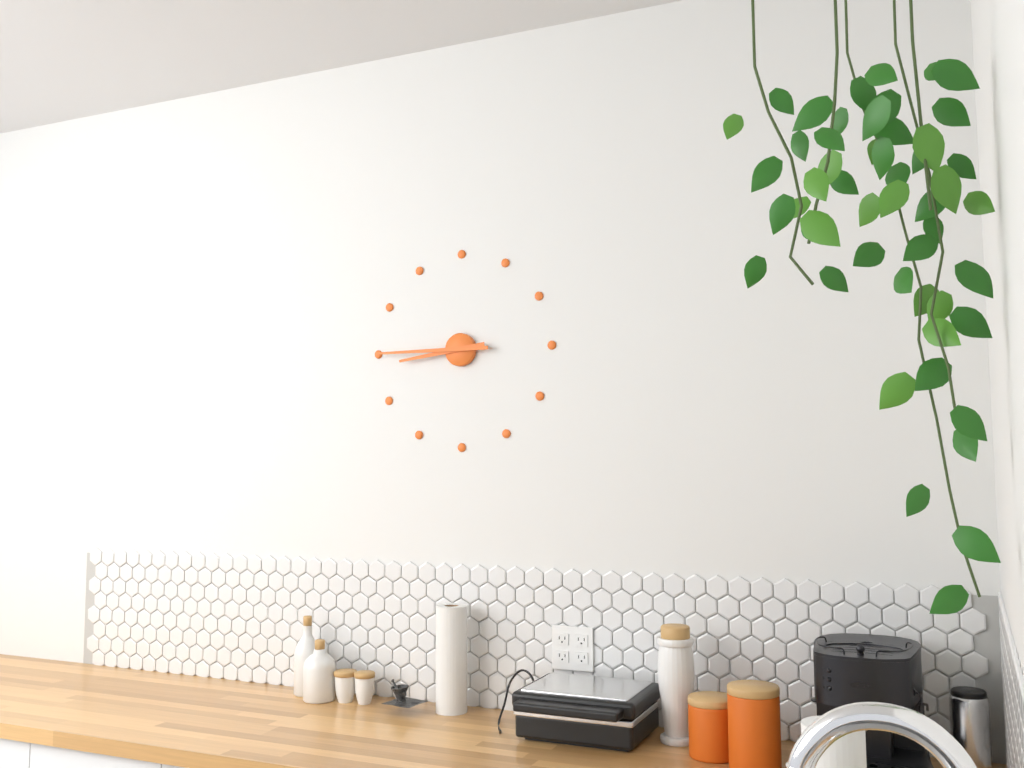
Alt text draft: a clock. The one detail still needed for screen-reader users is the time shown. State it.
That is 8:45
